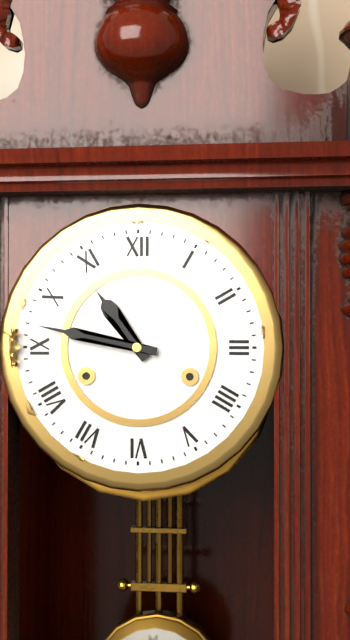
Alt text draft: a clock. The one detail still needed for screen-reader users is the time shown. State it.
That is 10:47
